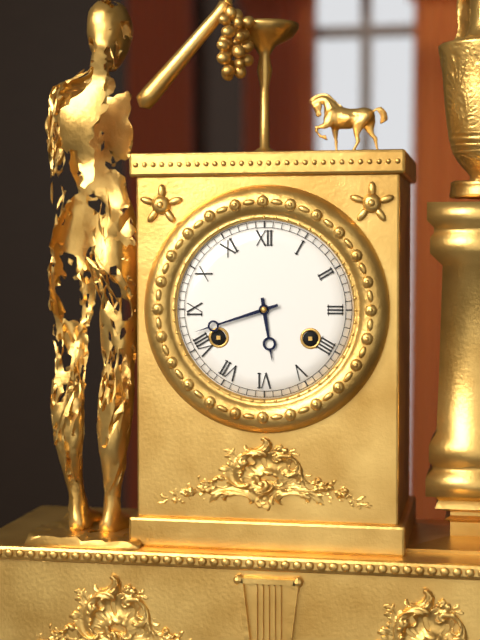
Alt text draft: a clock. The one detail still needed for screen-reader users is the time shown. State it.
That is 5:42
